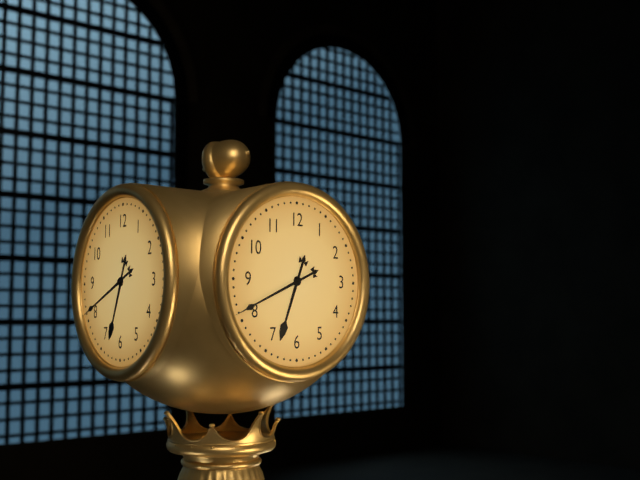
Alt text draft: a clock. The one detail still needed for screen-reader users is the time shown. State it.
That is 6:41
